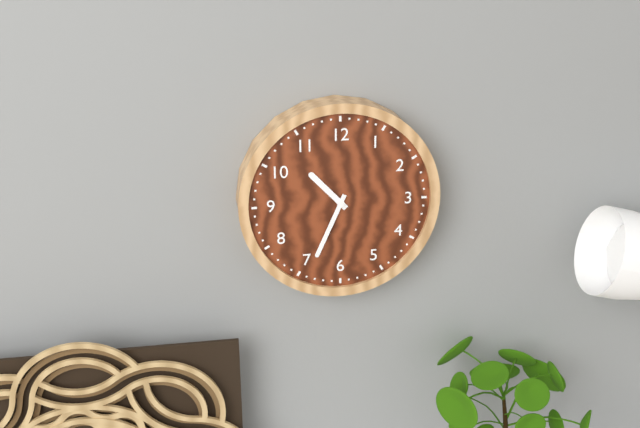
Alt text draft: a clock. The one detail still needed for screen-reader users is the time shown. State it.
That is 10:34
